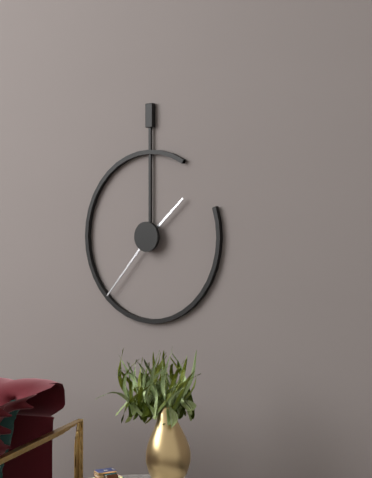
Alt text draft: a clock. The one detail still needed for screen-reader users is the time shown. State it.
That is 1:37
